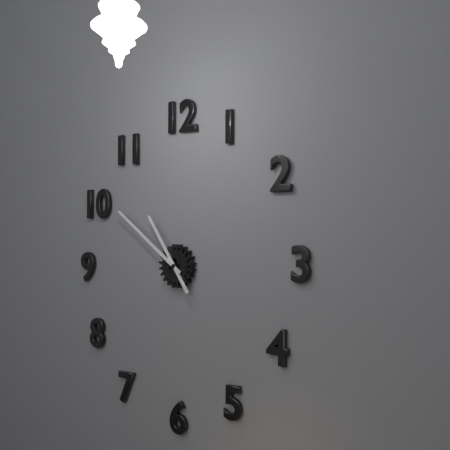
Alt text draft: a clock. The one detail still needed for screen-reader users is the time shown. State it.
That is 10:51
